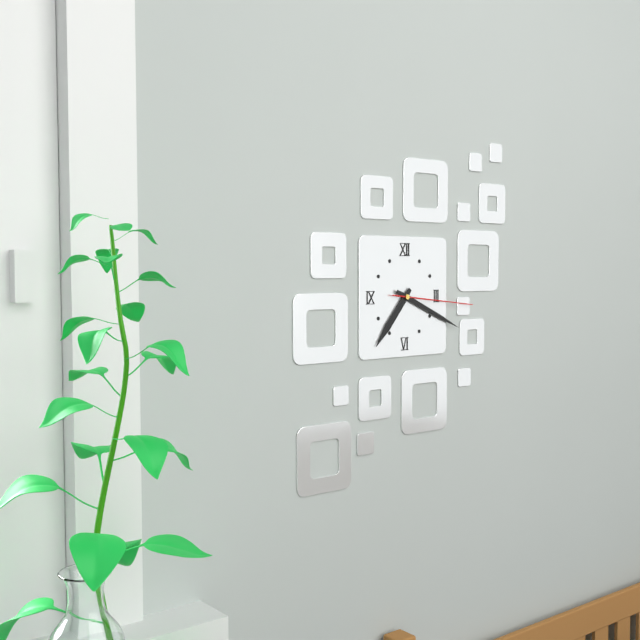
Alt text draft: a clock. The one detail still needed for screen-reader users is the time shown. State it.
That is 7:19:16
